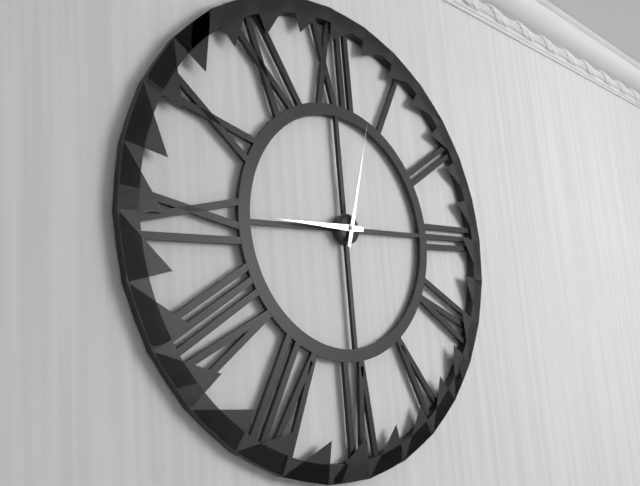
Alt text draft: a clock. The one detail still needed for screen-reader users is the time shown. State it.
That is 9:03
